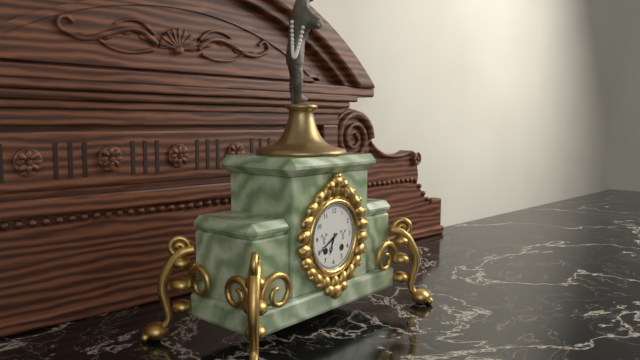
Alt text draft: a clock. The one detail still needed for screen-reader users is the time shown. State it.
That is 6:40
